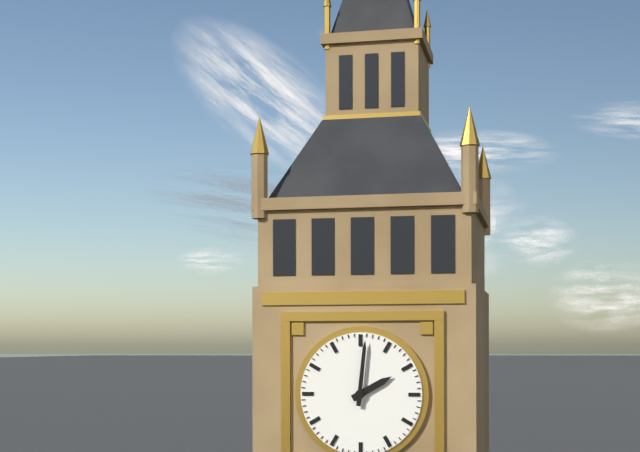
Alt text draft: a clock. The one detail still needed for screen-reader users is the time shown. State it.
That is 2:01
